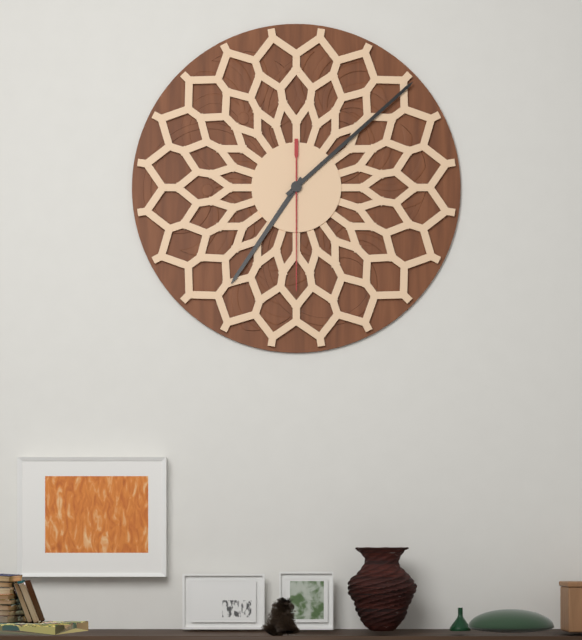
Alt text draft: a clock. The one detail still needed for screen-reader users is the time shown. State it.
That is 7:08:30
